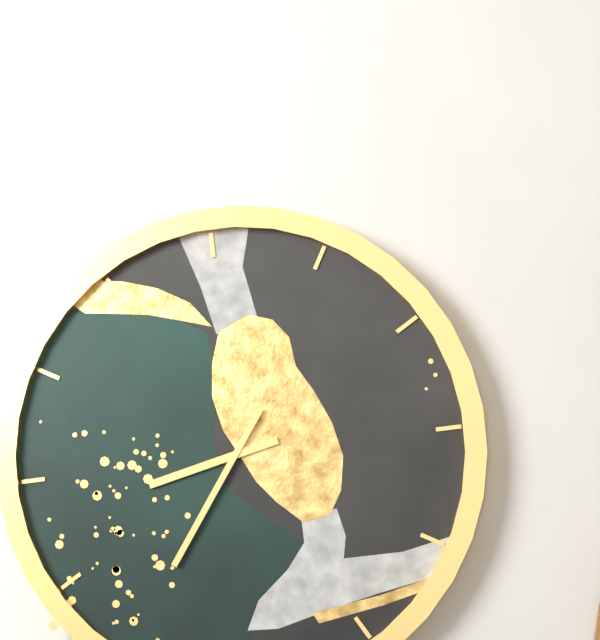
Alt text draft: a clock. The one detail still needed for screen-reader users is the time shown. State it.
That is 8:36
